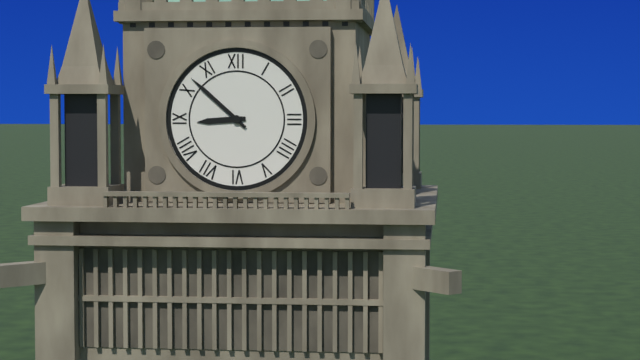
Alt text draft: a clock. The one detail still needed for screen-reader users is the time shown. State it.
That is 8:52
